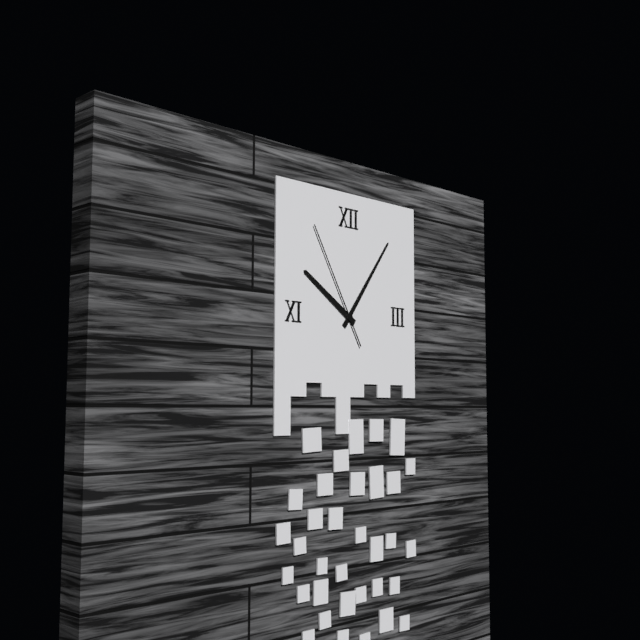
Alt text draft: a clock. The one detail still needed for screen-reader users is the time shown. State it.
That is 10:06:55
